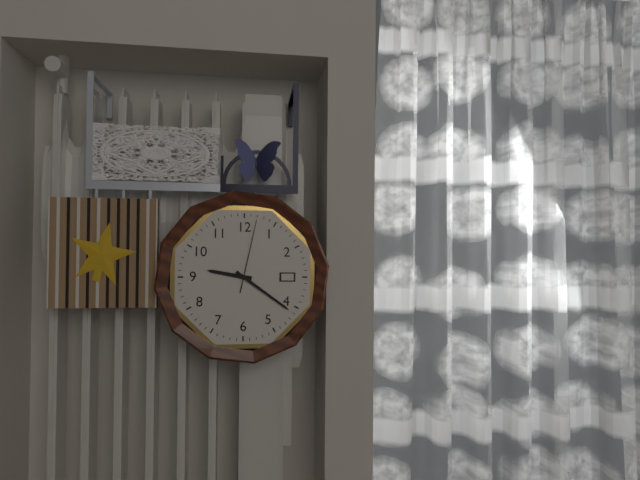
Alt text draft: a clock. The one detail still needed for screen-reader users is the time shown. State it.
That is 9:21:02
